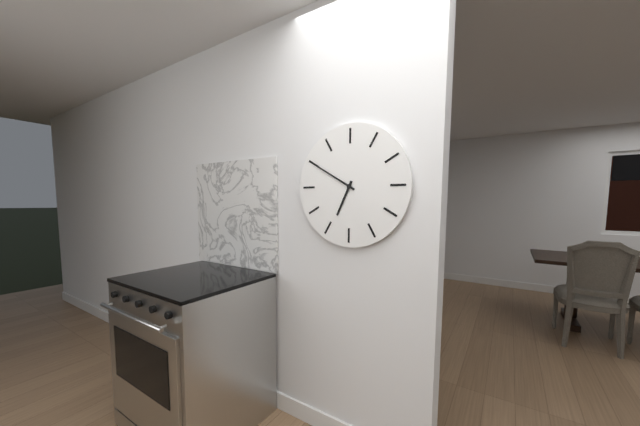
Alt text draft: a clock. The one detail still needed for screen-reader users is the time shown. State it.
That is 6:50
